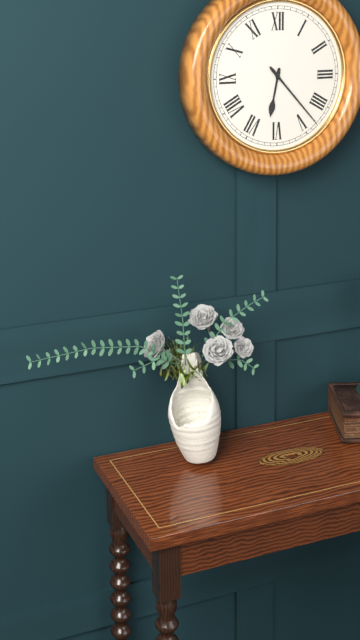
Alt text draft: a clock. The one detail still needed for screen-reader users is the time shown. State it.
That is 6:23
